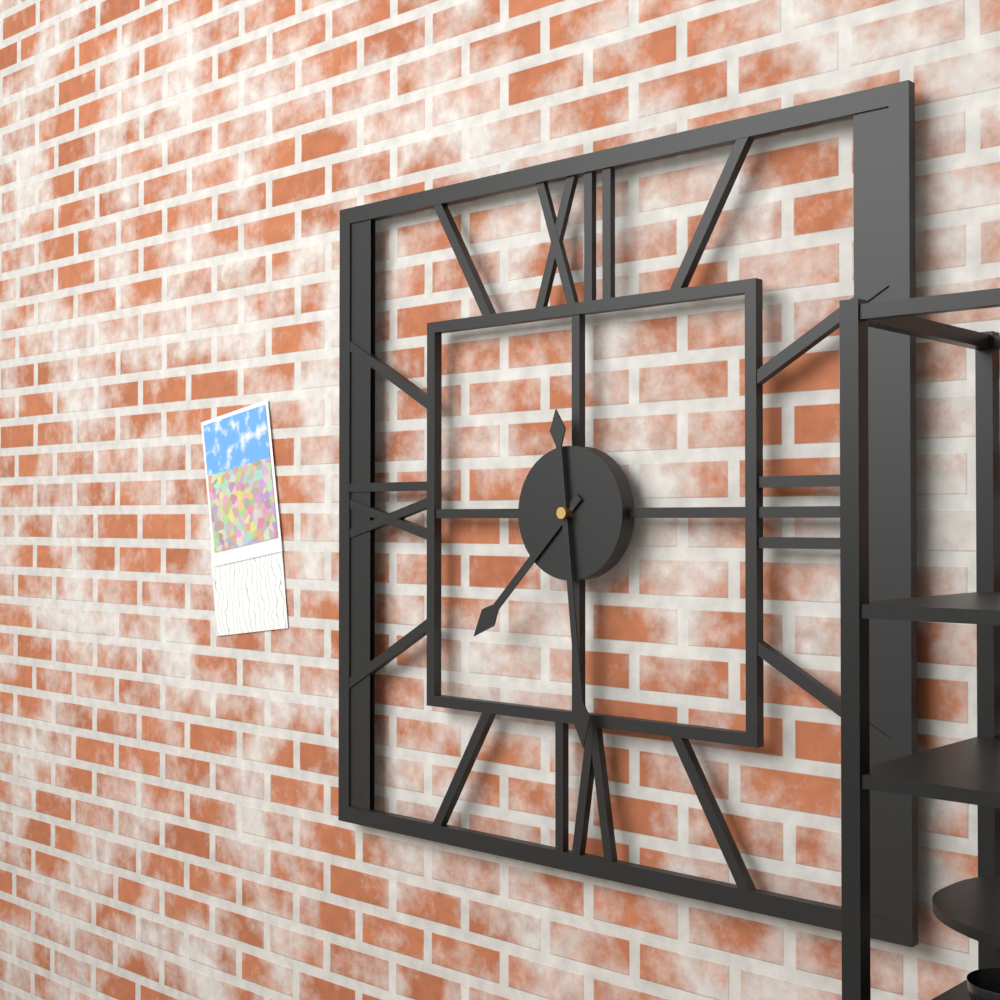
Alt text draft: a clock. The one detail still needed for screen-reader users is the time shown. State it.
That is 7:29
